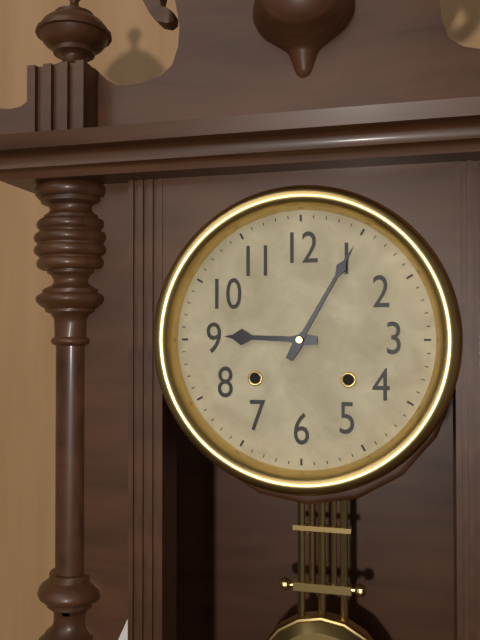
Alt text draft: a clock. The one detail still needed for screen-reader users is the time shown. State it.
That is 9:05
